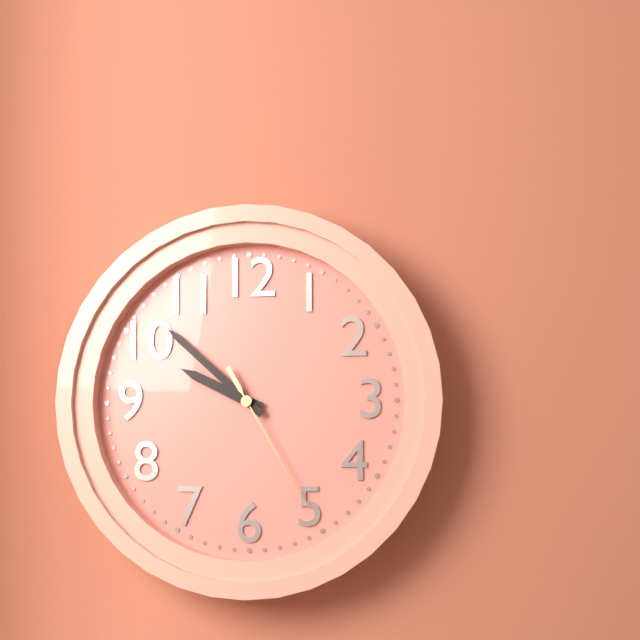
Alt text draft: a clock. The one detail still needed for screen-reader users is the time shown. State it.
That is 9:52:25
